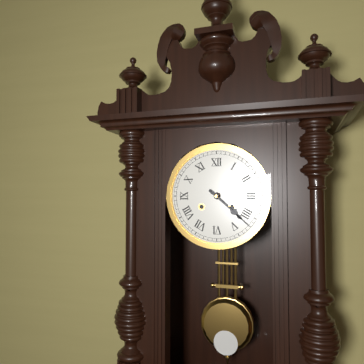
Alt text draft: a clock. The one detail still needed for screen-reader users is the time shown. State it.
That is 4:22
